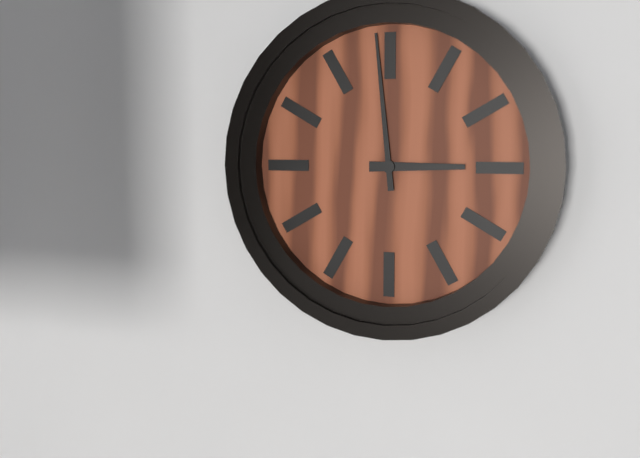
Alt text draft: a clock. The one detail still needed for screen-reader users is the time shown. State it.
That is 2:59
